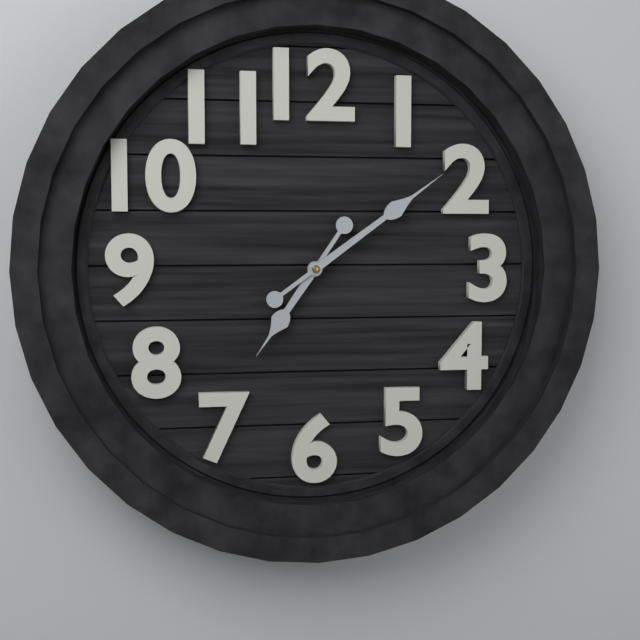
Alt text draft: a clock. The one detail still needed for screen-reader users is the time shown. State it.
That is 7:09
